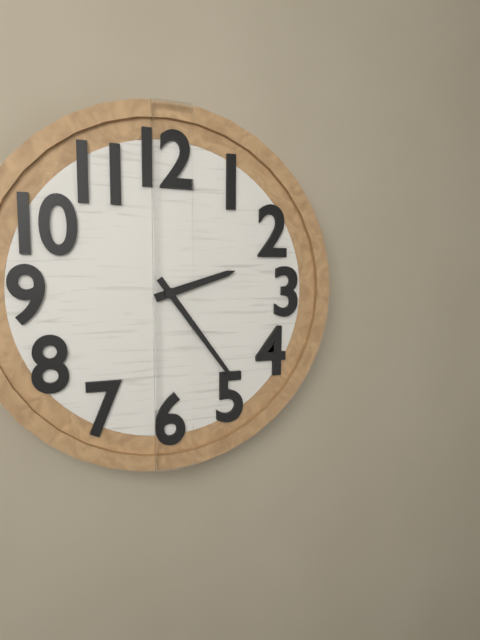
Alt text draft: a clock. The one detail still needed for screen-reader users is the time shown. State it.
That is 2:24
